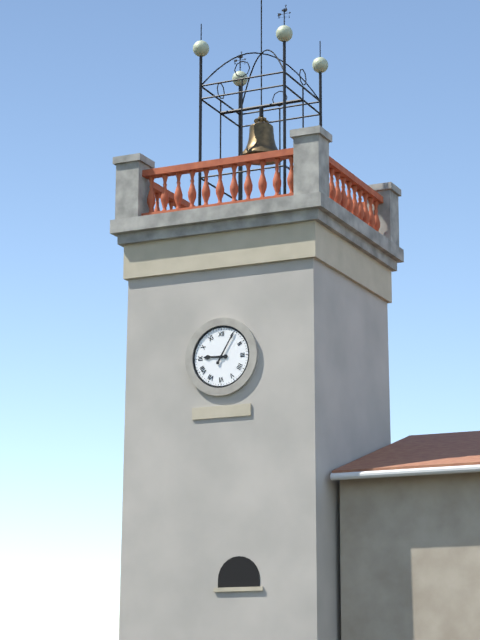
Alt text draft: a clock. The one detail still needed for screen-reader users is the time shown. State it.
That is 9:05
